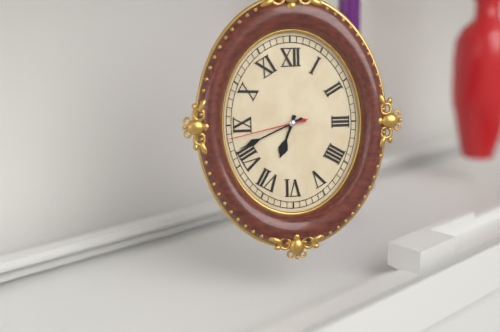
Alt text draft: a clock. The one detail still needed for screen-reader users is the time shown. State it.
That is 6:41:43
